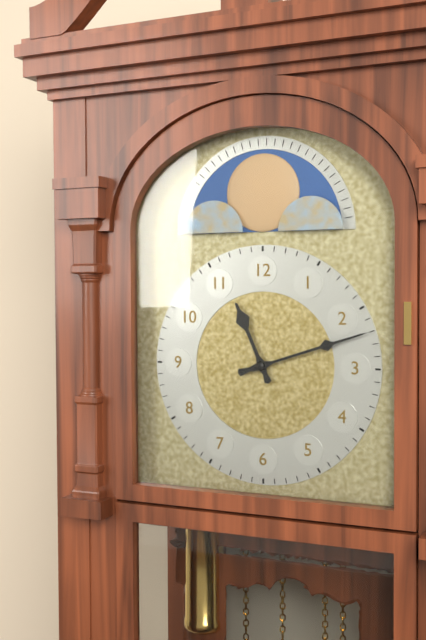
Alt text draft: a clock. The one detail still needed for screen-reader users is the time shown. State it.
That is 11:12
